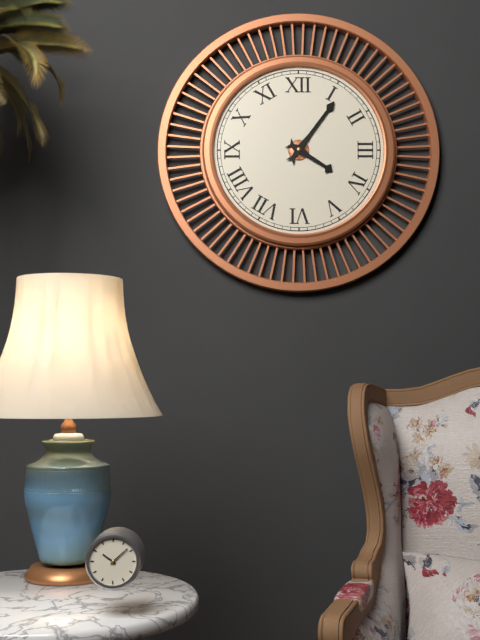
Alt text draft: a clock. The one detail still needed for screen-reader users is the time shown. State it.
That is 4:06
